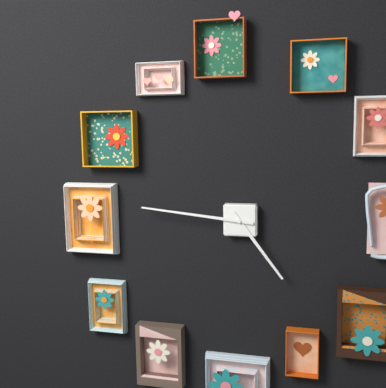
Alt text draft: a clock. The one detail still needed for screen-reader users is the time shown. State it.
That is 4:46
